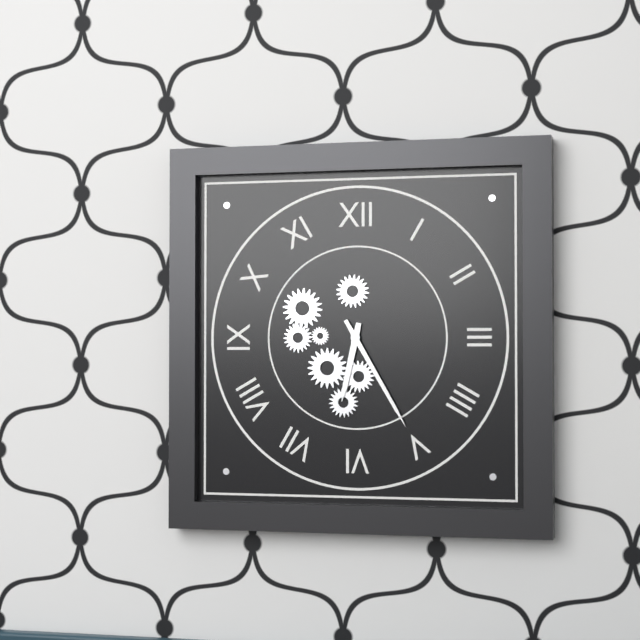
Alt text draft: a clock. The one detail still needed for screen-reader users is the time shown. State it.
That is 6:25
